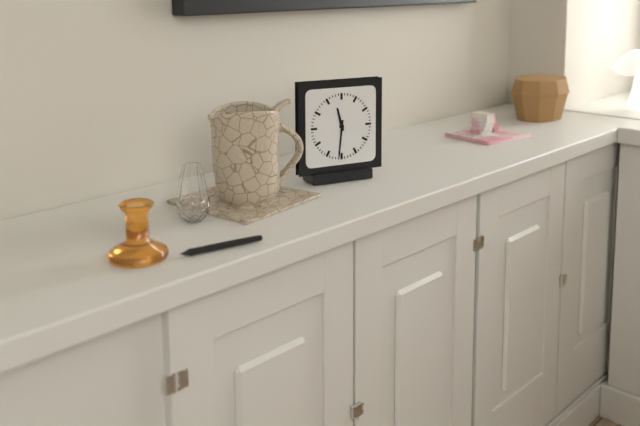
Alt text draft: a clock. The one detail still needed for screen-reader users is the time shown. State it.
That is 11:31
